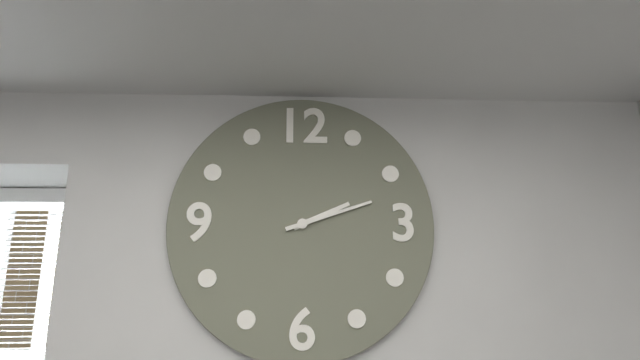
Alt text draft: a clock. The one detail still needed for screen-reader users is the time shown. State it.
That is 2:12
